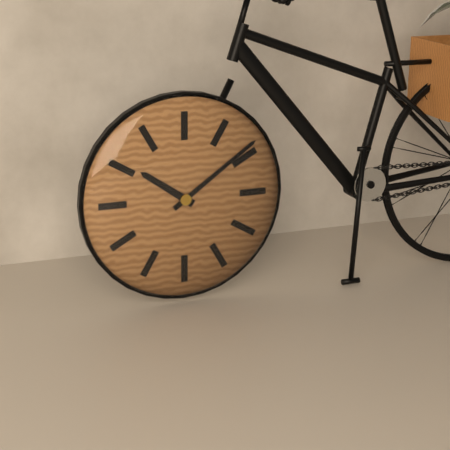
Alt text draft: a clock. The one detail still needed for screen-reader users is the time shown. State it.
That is 10:09
